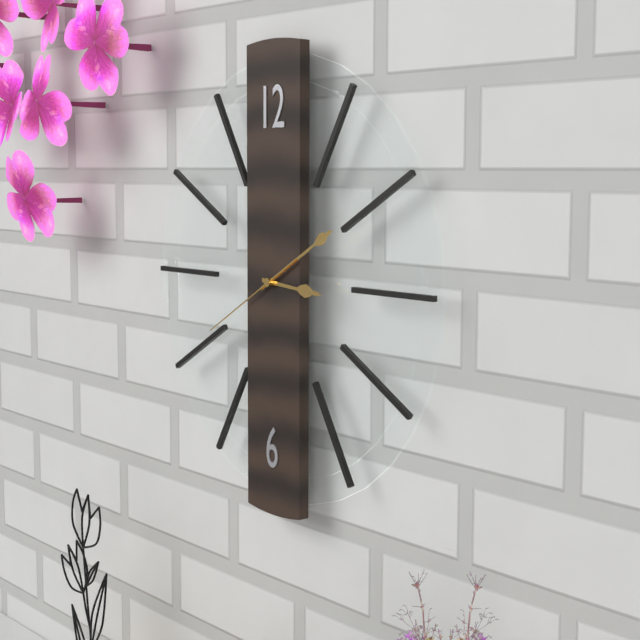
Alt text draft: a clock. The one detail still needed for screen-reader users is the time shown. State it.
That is 3:10:40
